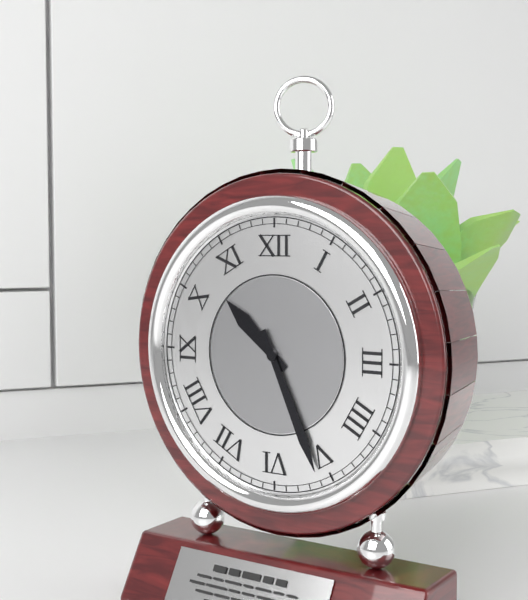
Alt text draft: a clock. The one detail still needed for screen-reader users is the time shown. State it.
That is 10:26
